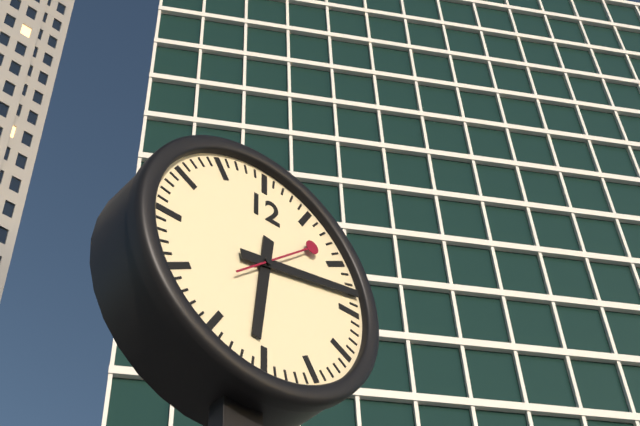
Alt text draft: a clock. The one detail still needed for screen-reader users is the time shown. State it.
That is 6:13:08
